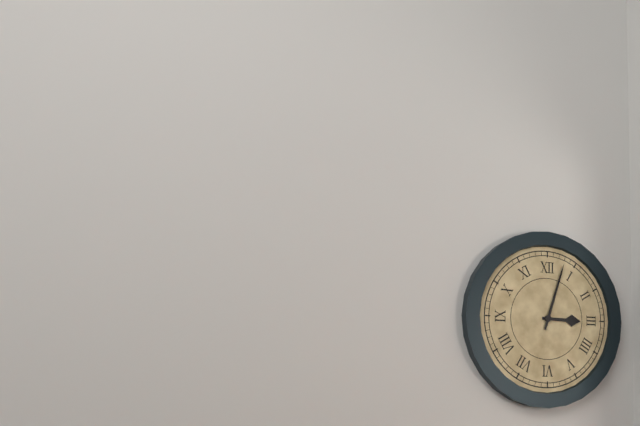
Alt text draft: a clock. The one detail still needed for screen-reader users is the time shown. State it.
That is 3:03
